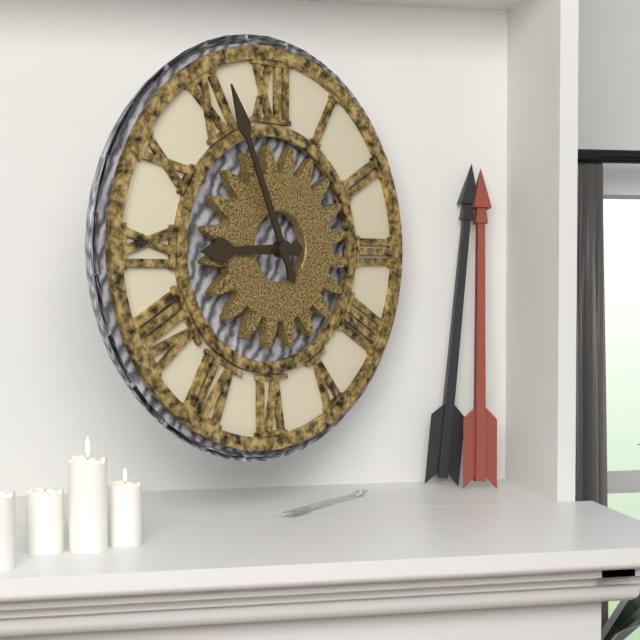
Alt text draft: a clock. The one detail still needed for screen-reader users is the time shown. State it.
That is 8:56
